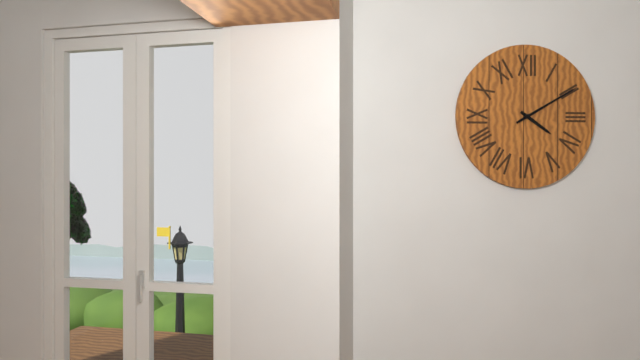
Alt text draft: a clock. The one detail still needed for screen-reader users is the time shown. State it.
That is 4:10
